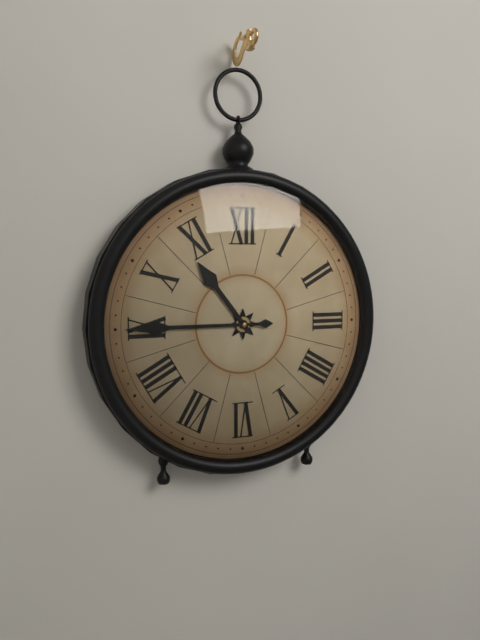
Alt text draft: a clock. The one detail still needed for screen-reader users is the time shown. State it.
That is 10:45
